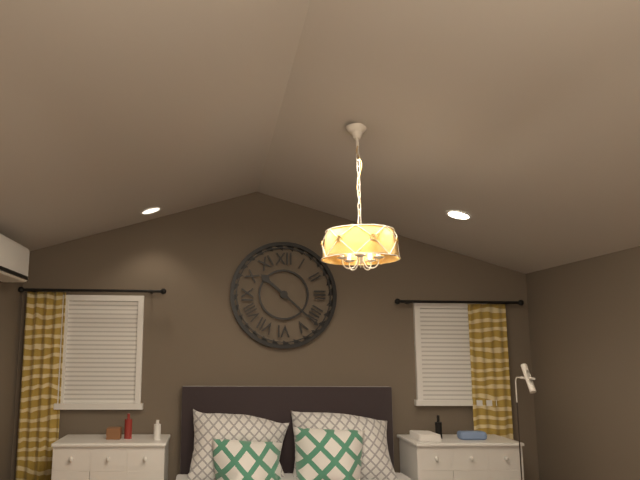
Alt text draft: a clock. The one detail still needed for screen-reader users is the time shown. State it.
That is 10:22
